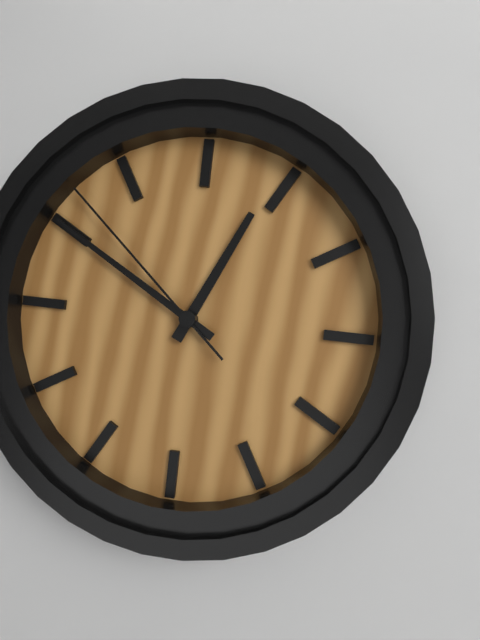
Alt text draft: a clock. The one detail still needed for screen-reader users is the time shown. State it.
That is 12:50:52
